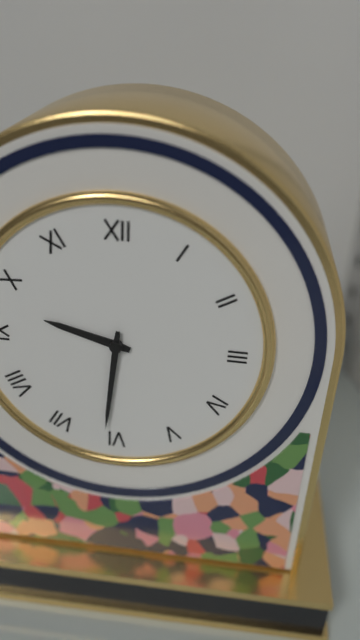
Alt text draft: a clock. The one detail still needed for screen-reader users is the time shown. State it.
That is 9:31
